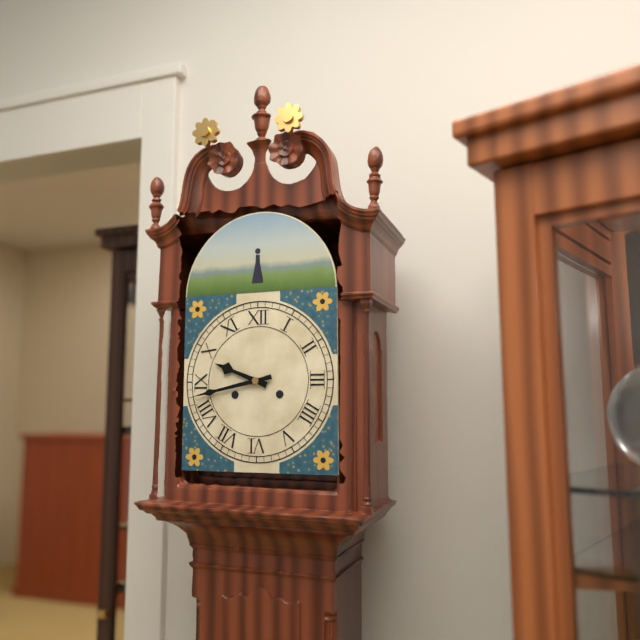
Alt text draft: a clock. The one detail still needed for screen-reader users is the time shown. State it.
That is 9:43
